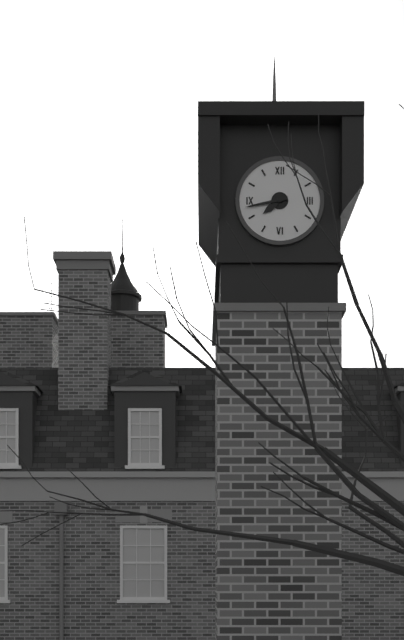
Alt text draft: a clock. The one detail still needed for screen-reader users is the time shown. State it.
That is 7:43
